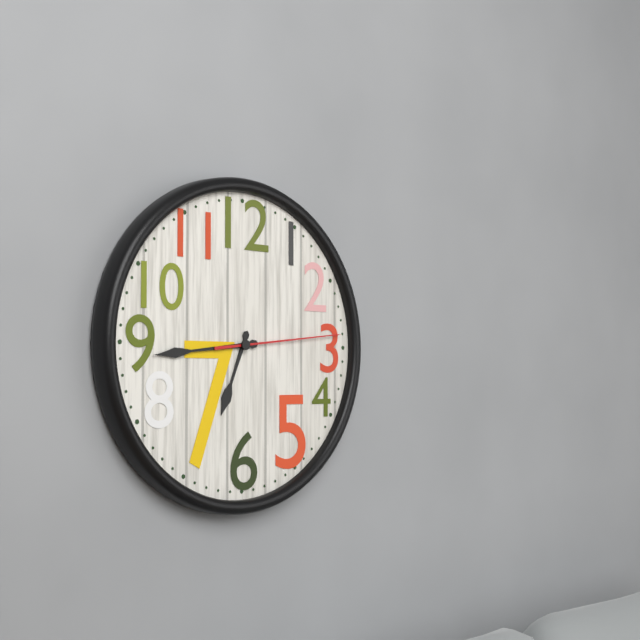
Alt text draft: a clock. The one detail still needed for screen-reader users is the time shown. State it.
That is 6:44:14
